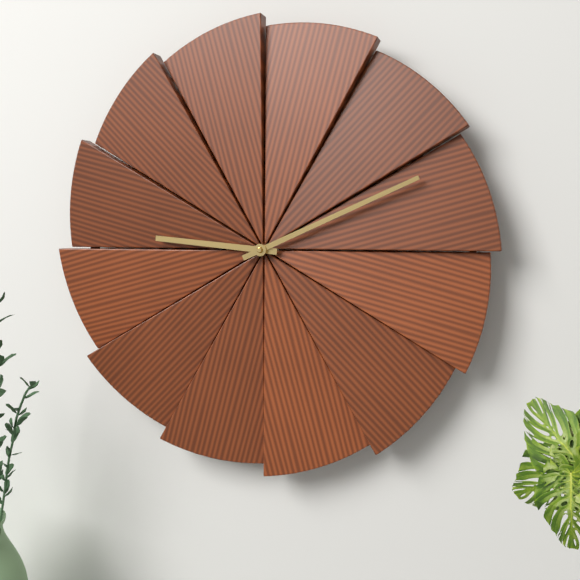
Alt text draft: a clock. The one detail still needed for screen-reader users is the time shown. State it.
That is 9:11
